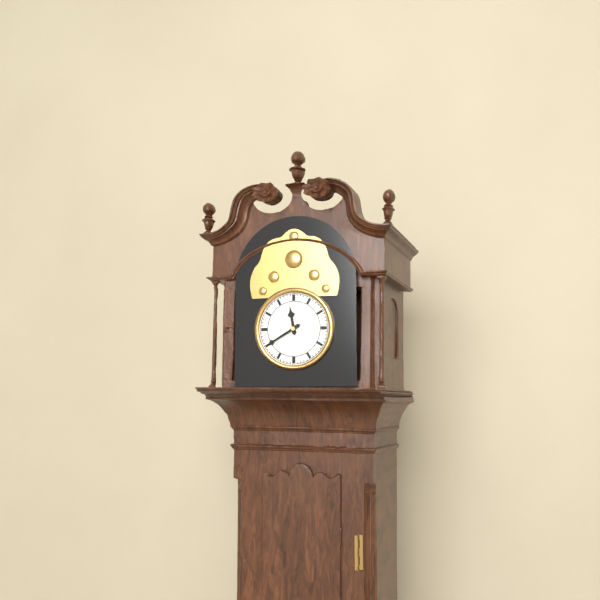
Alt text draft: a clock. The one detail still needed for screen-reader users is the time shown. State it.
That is 11:40
